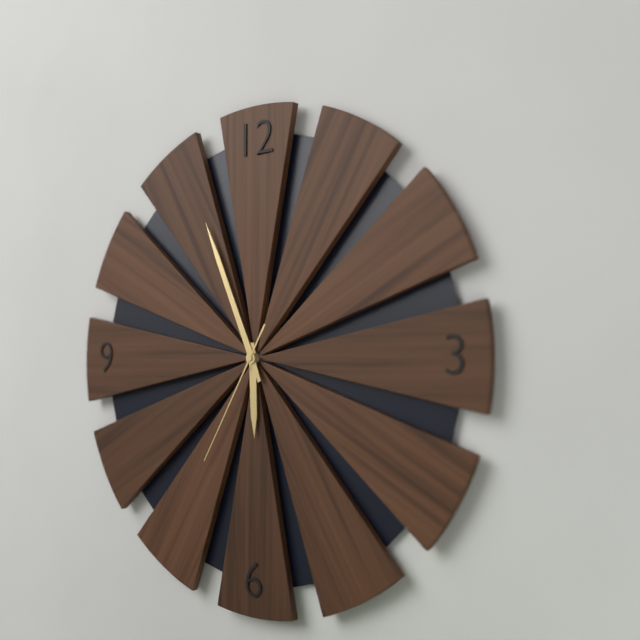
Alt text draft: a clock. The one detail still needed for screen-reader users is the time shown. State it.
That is 5:56:35
